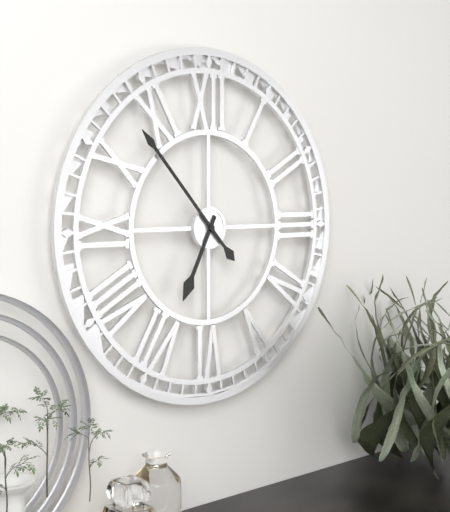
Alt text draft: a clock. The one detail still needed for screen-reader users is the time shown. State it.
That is 6:53
